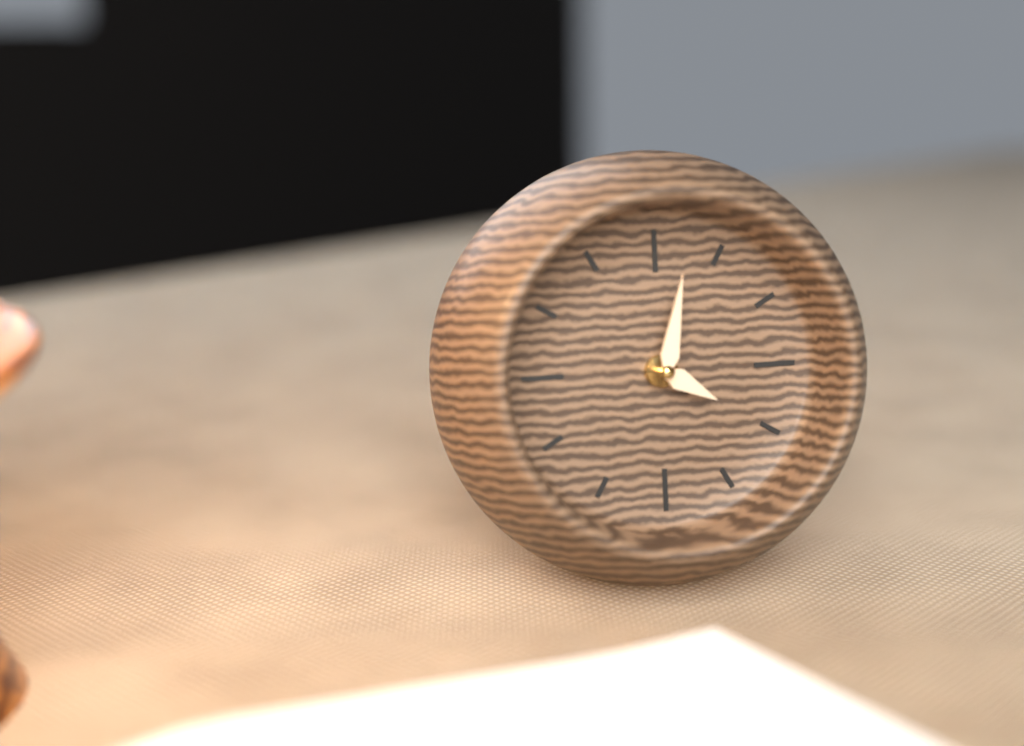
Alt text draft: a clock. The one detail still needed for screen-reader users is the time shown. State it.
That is 4:02
